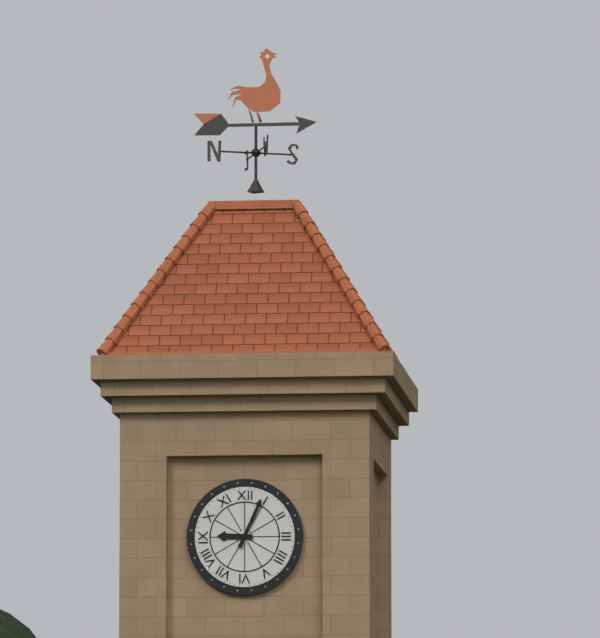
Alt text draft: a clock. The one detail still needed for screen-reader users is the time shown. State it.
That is 9:04
